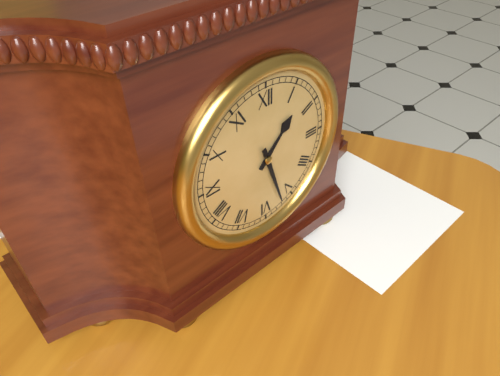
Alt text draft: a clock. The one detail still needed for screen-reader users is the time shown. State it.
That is 1:27
